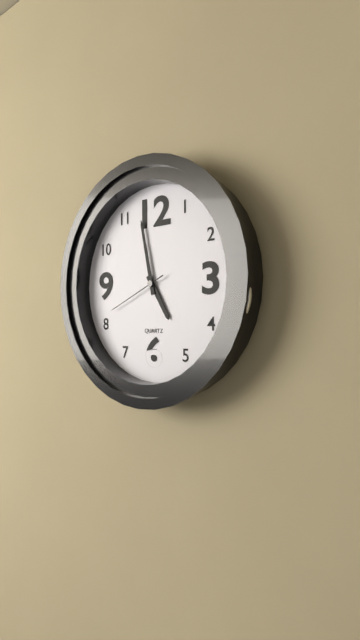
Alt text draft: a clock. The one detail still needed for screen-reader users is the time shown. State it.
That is 4:58:41
